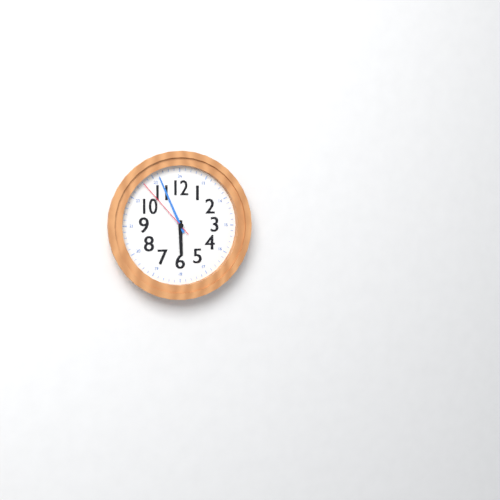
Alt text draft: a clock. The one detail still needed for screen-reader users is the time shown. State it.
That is 5:56:53
